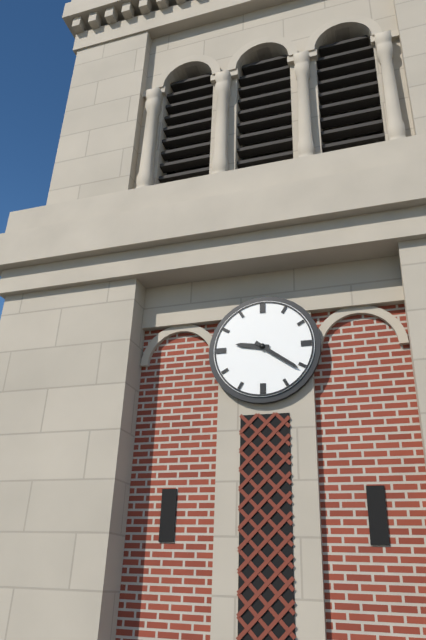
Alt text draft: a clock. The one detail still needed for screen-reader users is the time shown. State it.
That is 9:21
